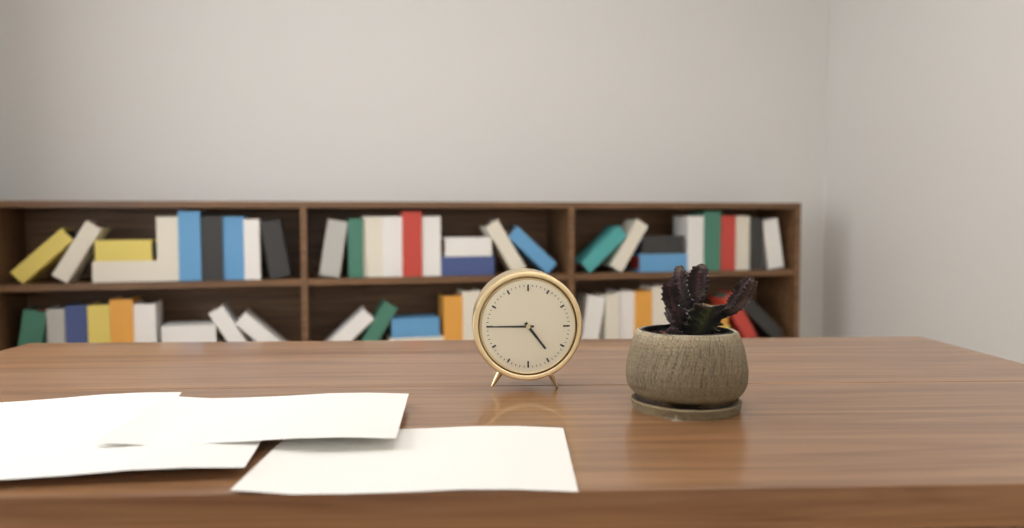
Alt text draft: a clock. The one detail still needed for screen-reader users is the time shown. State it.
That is 4:45
